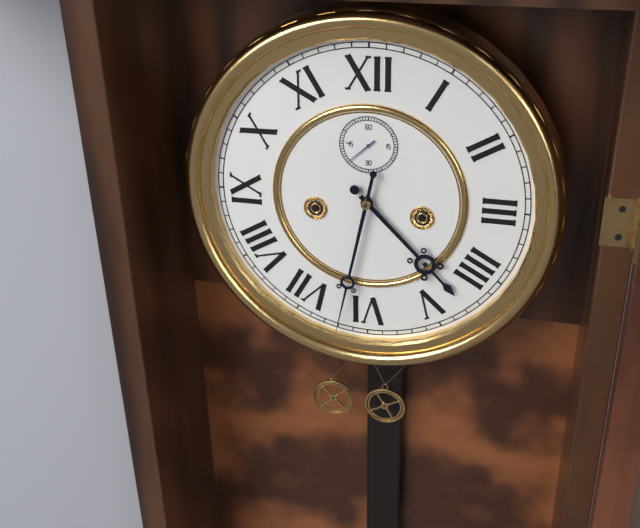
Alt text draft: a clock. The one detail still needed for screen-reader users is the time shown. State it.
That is 4:32
